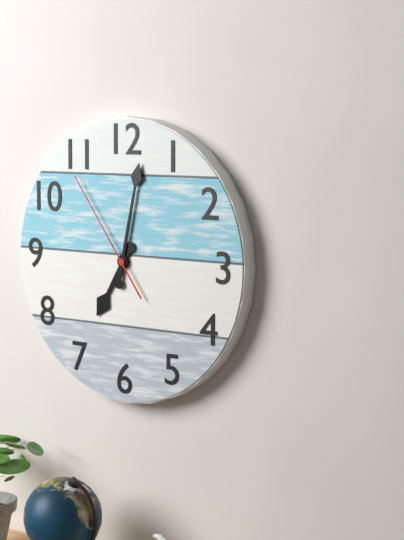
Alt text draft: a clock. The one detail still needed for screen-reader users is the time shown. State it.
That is 7:02:54
